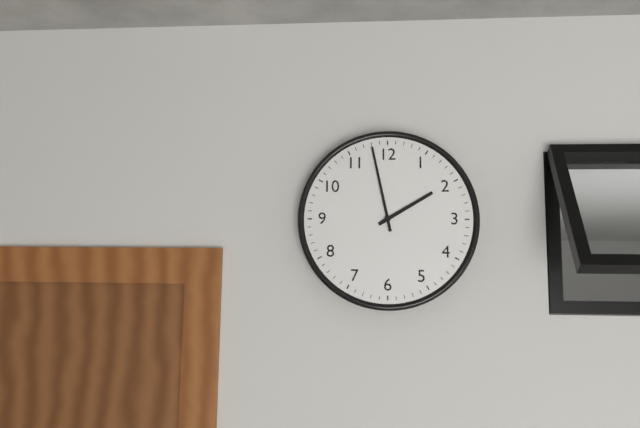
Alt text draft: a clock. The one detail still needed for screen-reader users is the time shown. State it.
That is 1:58
